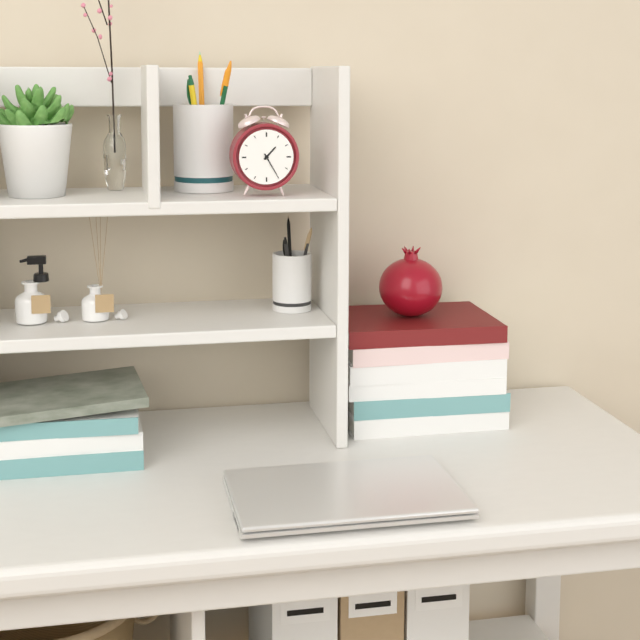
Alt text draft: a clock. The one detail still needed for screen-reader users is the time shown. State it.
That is 1:25
